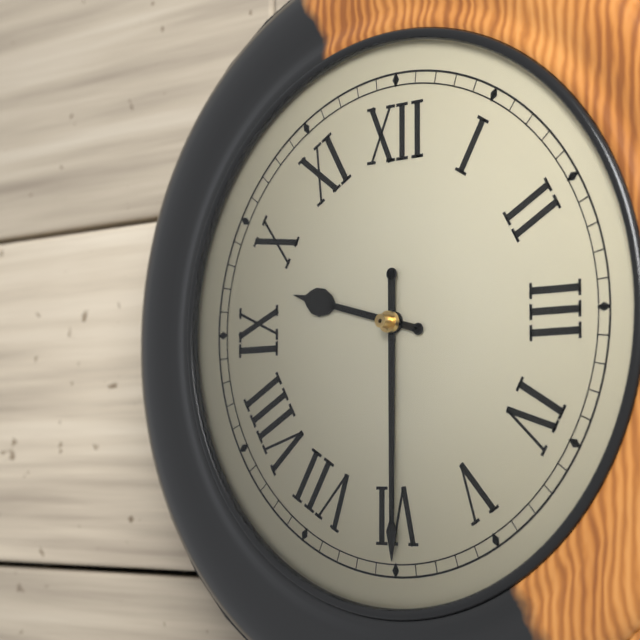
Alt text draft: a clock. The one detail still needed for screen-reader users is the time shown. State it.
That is 9:30
